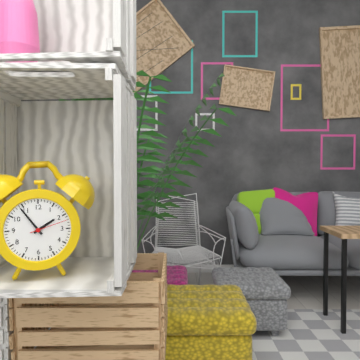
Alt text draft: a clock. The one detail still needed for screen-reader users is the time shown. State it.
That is 1:54
